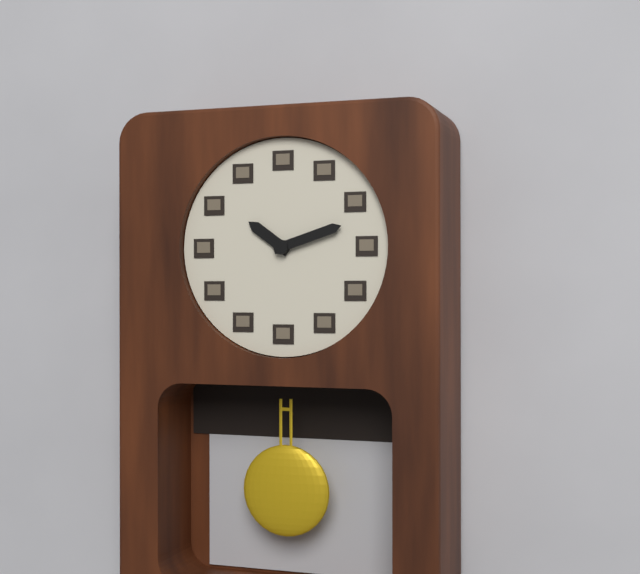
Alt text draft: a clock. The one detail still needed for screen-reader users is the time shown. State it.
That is 10:12
